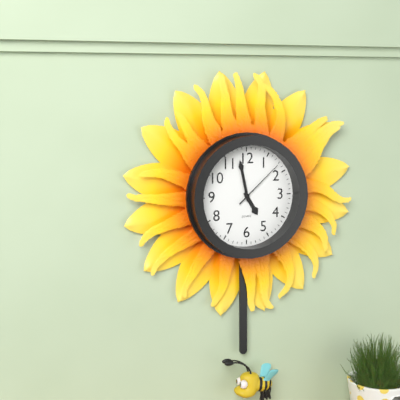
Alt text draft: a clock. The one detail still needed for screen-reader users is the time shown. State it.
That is 4:58:08
